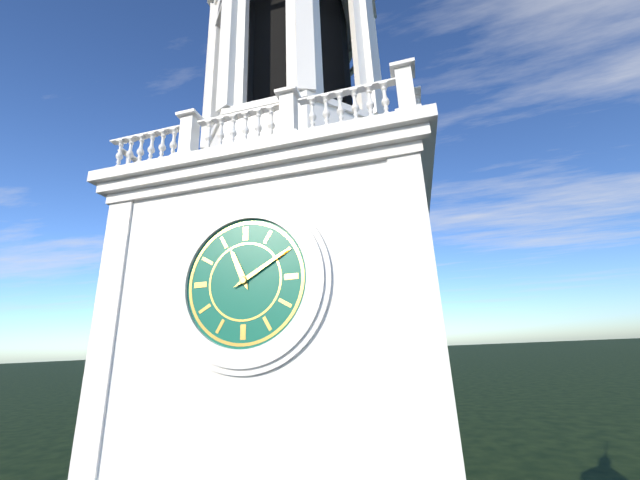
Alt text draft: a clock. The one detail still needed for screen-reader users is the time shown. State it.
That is 11:10
